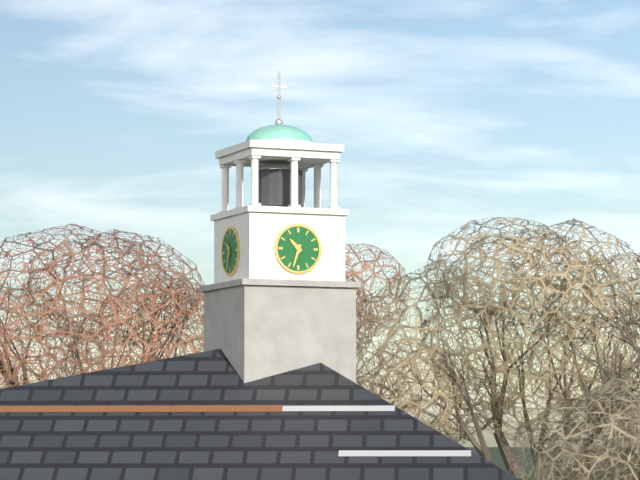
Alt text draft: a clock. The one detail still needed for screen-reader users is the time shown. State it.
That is 10:33
